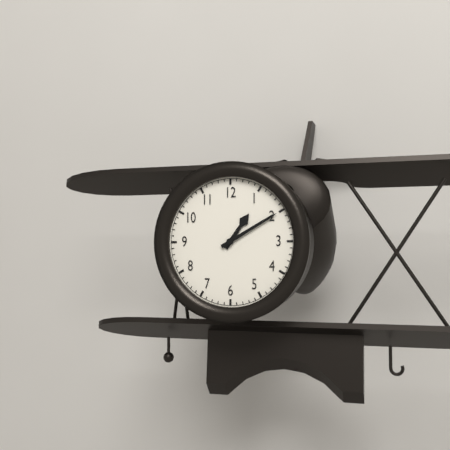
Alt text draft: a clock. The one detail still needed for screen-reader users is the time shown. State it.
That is 1:10
